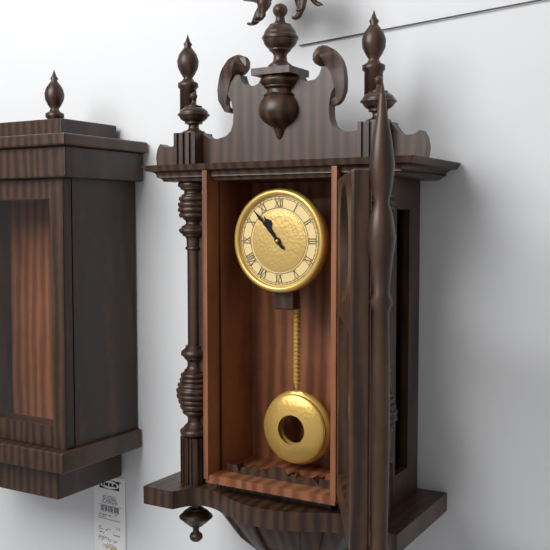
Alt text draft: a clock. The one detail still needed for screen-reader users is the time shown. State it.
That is 10:53
